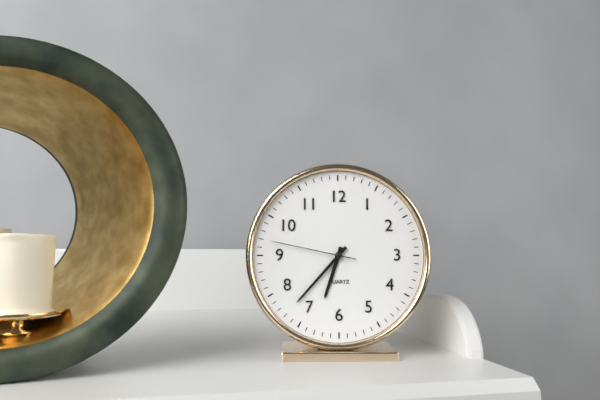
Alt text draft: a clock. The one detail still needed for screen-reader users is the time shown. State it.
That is 6:37:47
